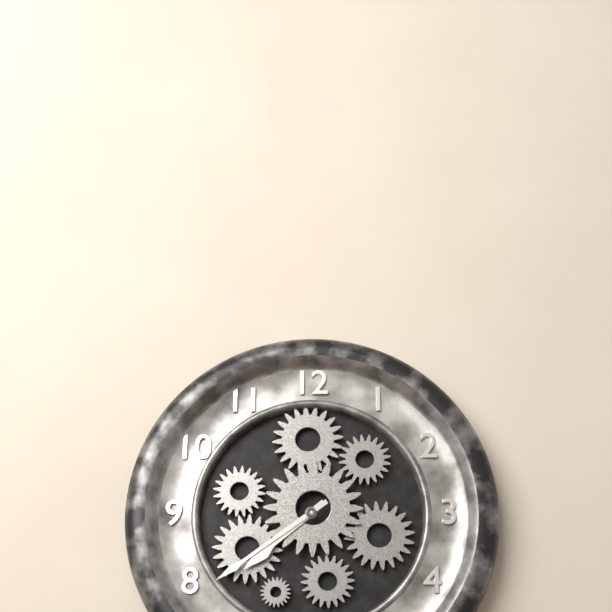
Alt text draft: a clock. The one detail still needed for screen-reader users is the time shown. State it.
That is 7:39
